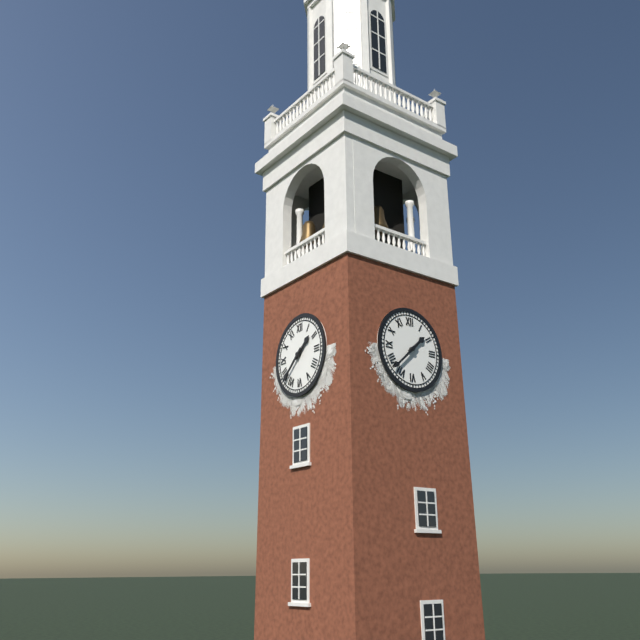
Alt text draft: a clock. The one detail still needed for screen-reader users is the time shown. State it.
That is 1:38
